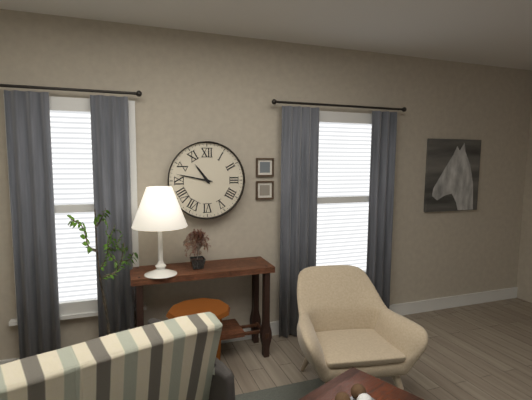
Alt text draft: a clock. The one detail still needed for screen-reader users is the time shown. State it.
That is 10:47
